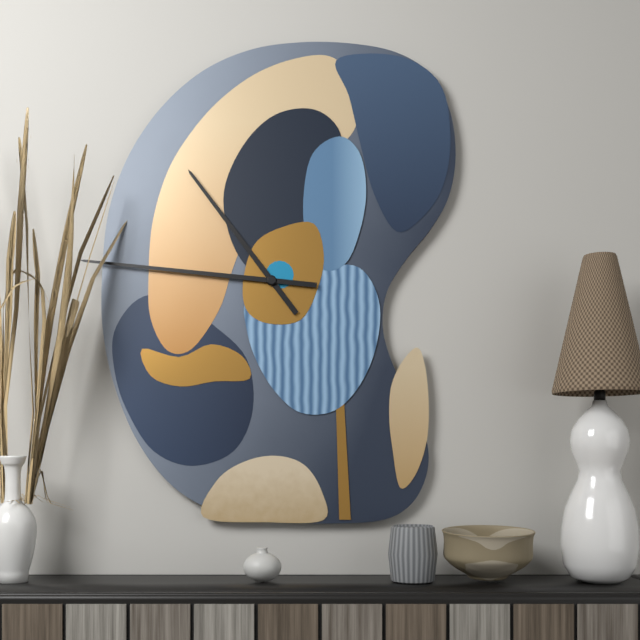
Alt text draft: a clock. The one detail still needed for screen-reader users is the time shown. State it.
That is 10:46
